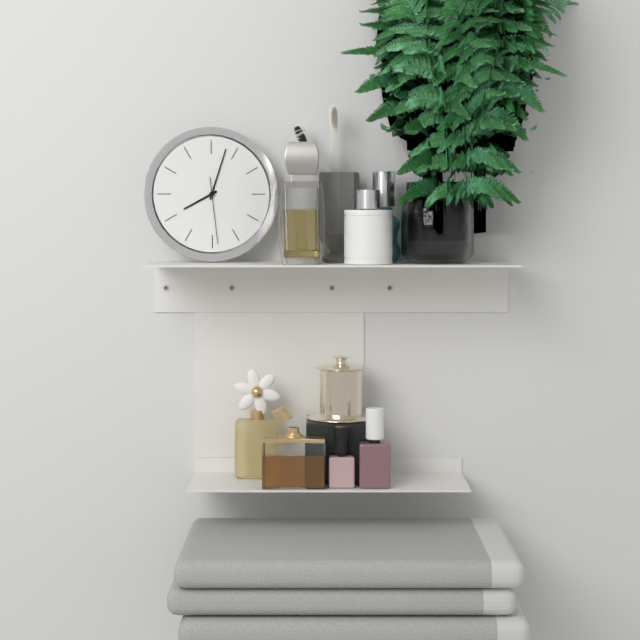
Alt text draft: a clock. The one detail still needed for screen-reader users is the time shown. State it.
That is 8:03:29
